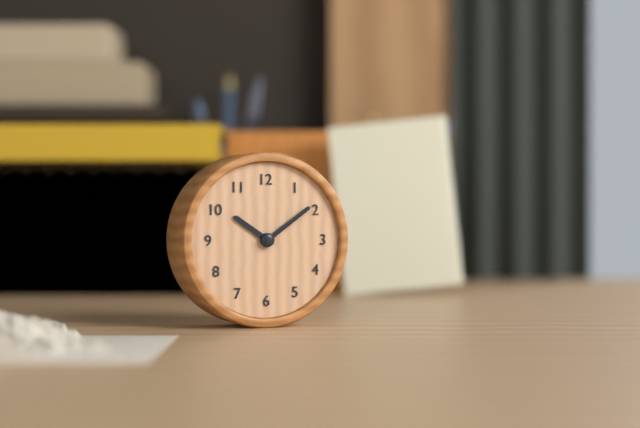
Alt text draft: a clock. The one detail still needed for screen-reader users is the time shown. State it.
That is 10:09
